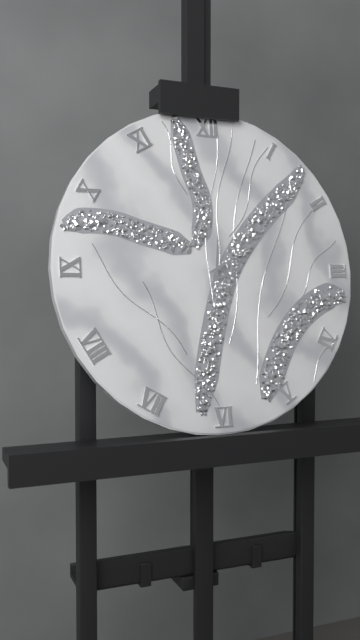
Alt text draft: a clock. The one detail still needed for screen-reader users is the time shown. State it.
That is 12:10
